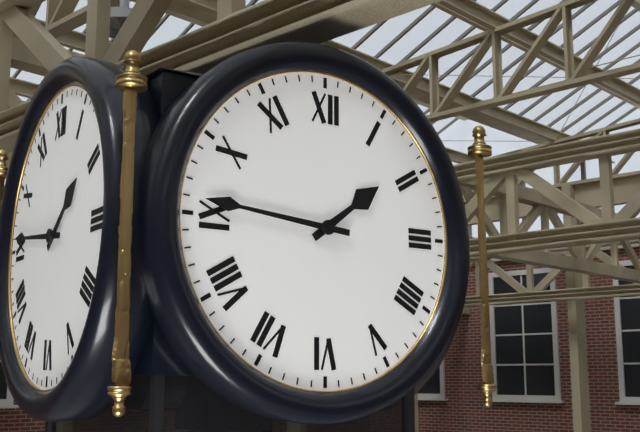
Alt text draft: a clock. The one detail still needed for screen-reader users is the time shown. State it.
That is 1:46
